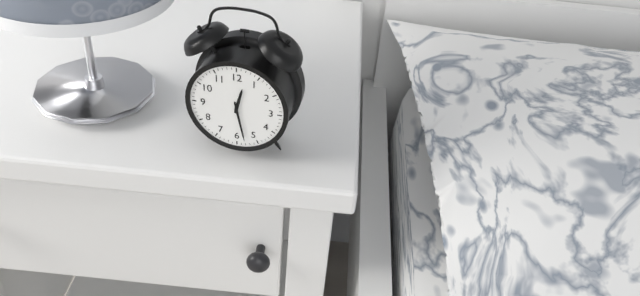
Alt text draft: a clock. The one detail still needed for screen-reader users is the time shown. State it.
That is 12:28
